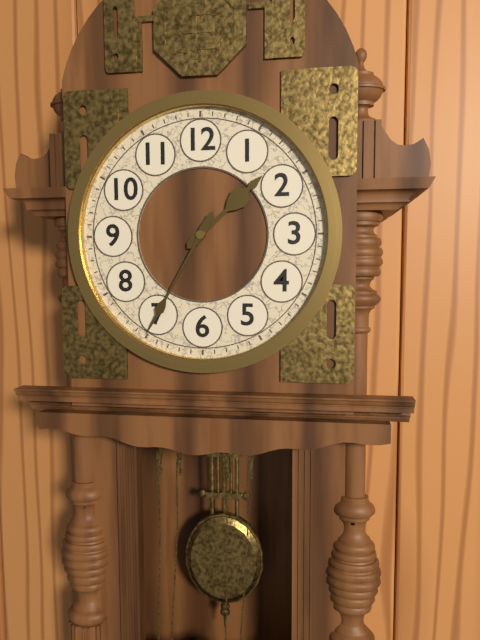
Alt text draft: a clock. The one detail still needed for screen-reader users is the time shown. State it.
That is 1:35
